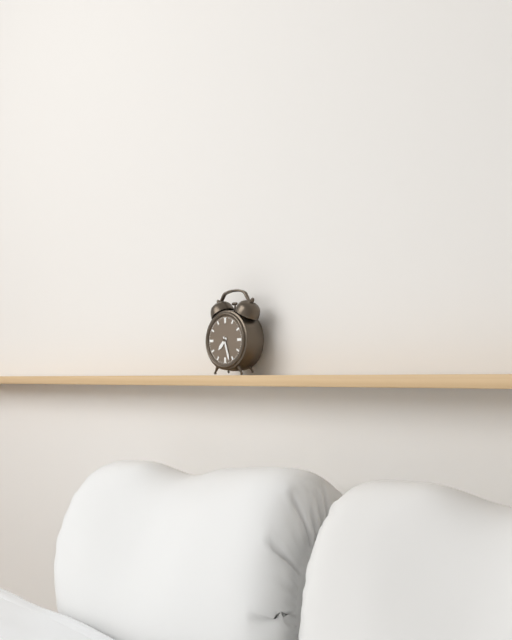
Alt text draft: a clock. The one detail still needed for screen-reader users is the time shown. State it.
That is 7:27
